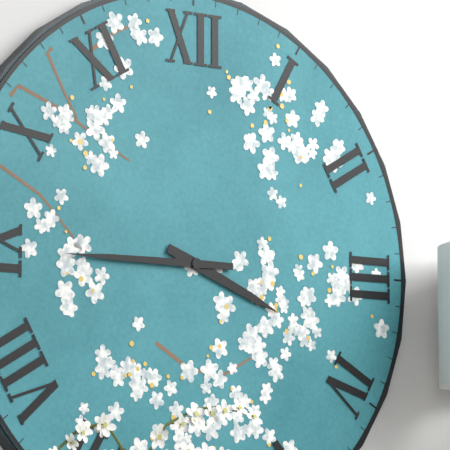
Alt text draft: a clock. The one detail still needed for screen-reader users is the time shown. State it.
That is 3:45
